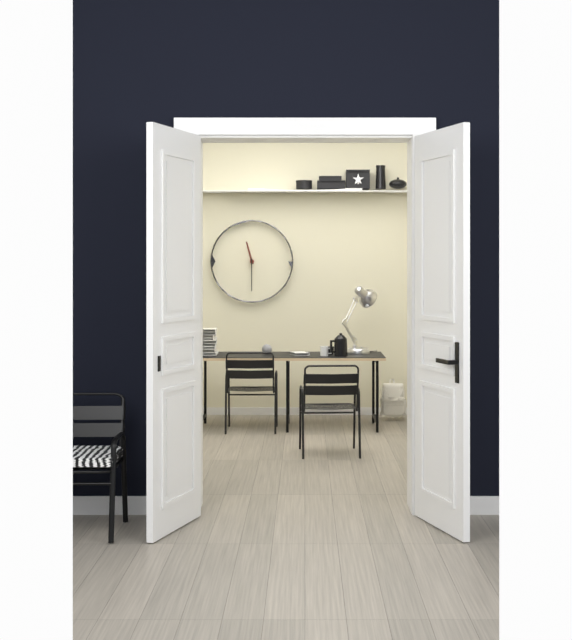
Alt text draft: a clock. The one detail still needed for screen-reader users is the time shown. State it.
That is 11:30
